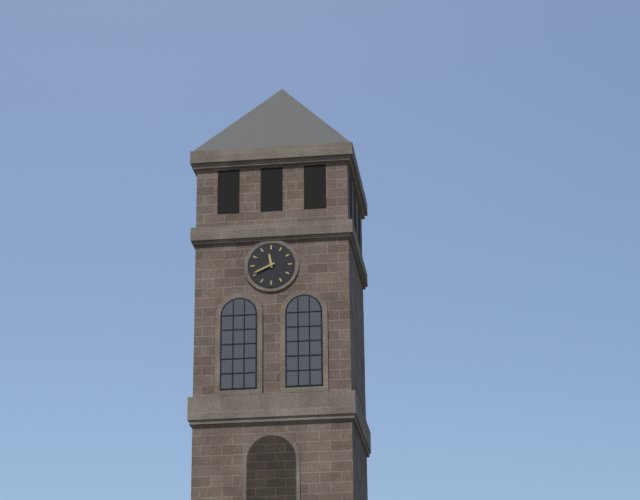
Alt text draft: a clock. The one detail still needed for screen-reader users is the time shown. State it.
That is 11:41
